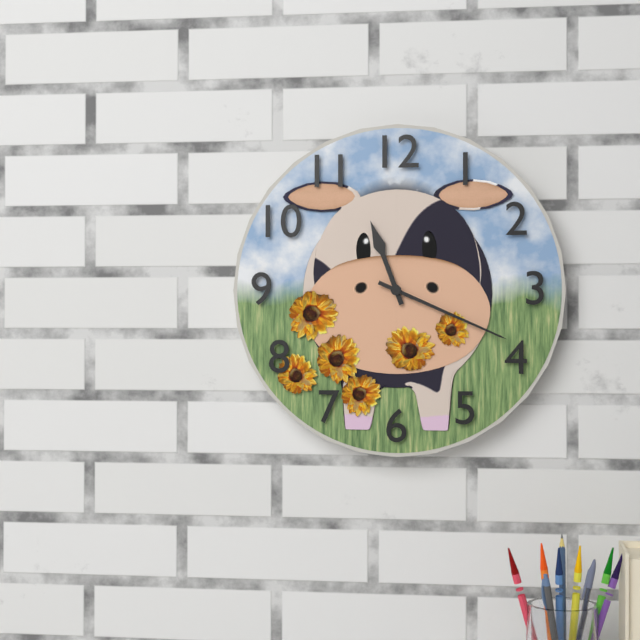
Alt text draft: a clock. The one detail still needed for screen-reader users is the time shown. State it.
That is 11:19
